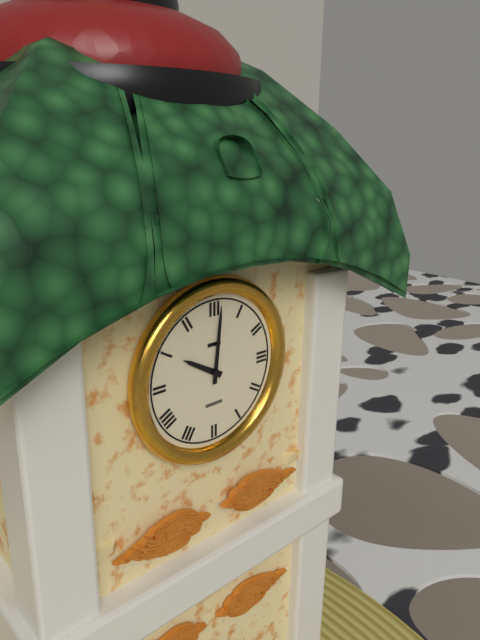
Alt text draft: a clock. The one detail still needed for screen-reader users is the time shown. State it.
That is 10:01
